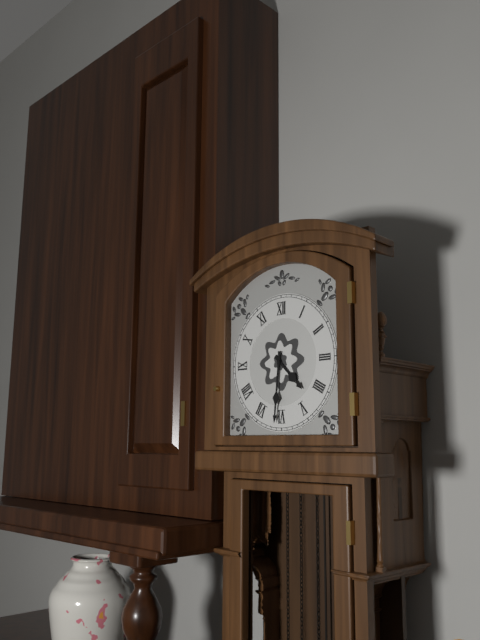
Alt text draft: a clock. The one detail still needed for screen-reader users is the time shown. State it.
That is 4:31
